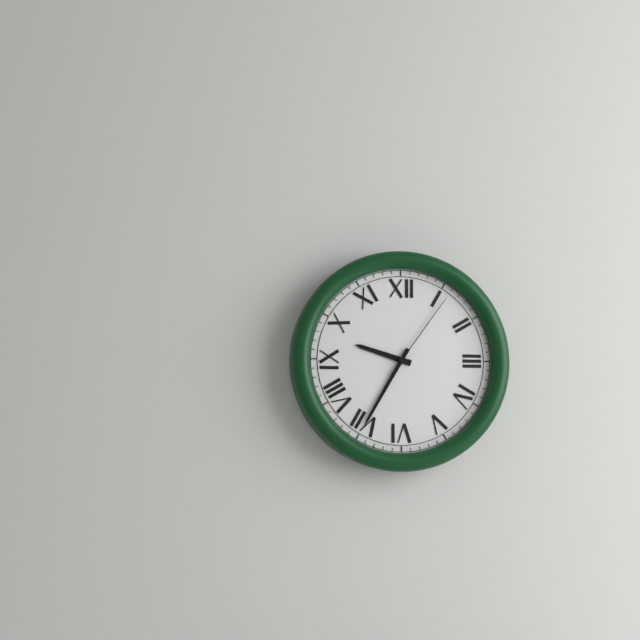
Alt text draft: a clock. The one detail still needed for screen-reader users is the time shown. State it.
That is 9:35:06
